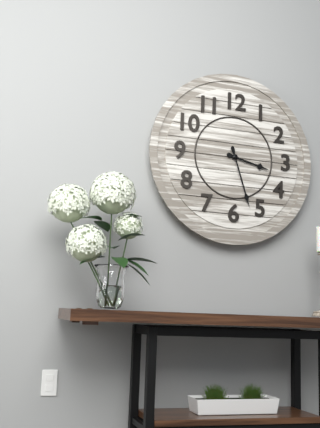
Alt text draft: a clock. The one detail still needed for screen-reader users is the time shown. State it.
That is 3:27
